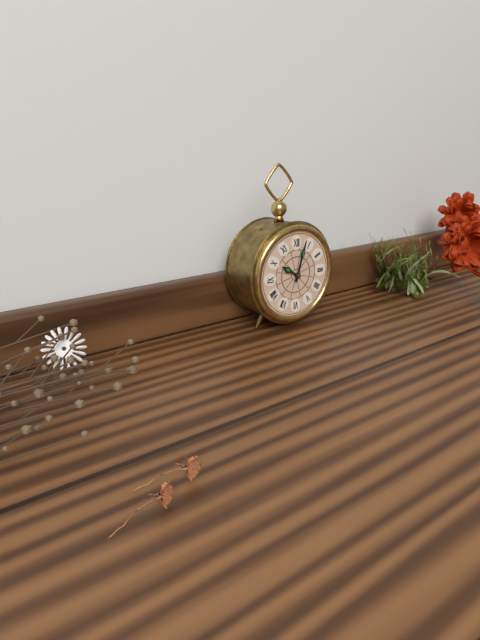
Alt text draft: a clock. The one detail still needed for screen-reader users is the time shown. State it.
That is 10:03
